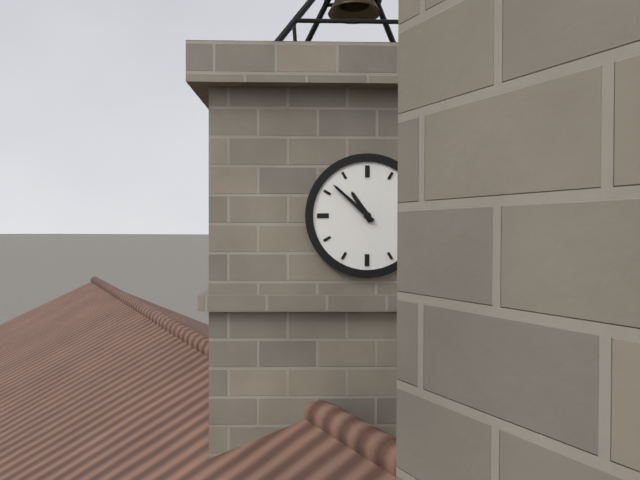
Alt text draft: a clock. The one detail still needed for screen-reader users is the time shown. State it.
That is 10:52
